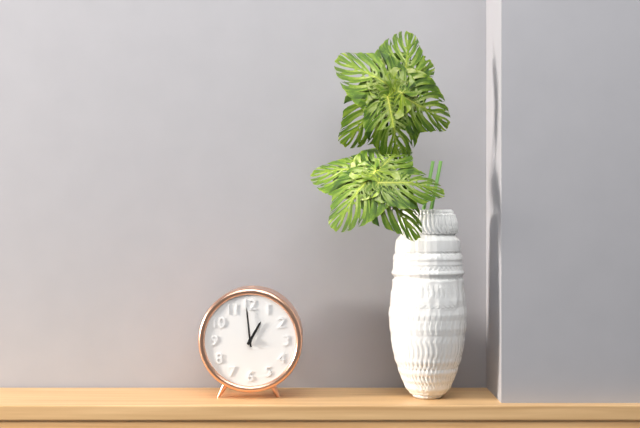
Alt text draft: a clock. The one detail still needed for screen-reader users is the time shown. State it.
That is 12:59
